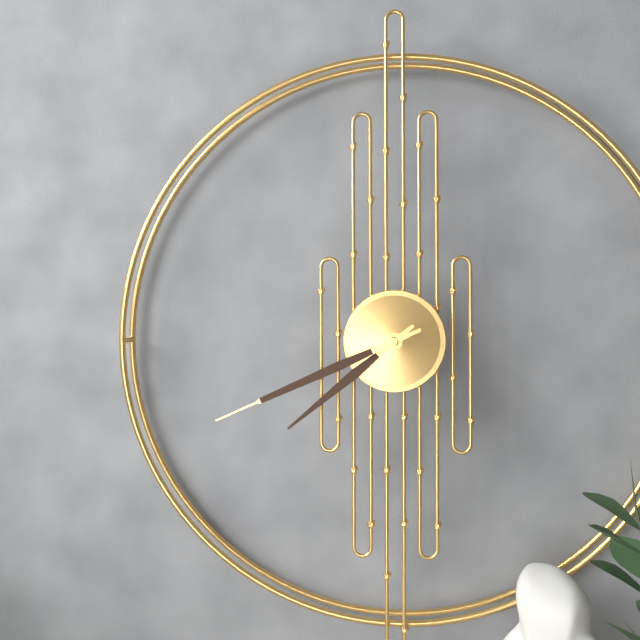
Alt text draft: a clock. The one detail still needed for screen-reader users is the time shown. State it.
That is 7:41
